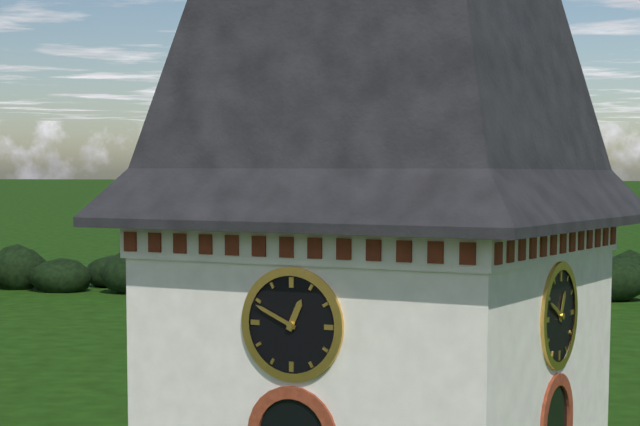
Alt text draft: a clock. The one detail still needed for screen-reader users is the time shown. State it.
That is 12:49
